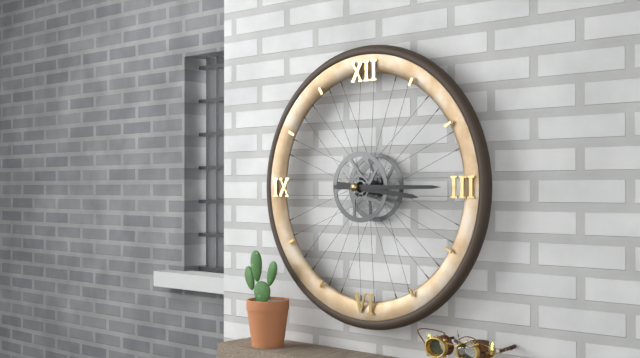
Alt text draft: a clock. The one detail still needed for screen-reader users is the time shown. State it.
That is 3:15
